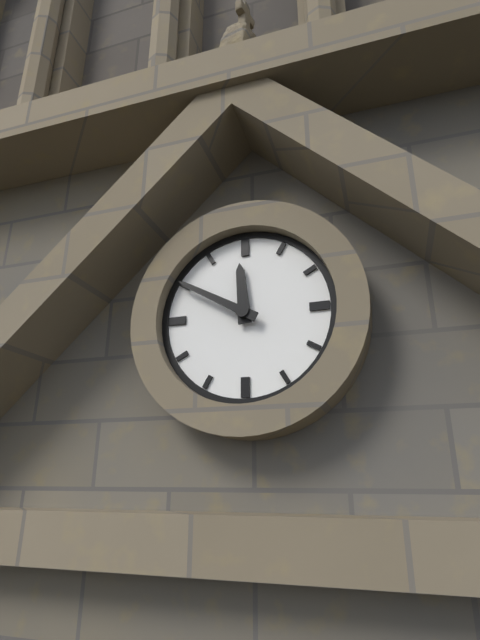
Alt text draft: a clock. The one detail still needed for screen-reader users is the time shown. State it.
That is 11:50
